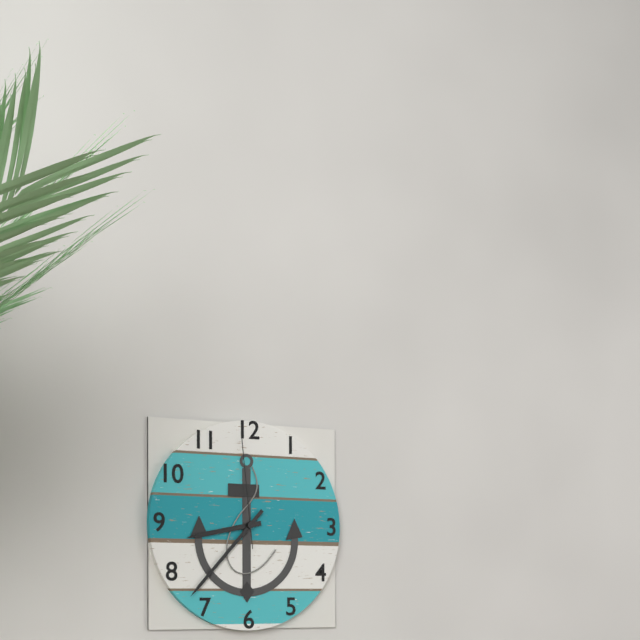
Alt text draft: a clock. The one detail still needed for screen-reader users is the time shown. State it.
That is 8:37:59
